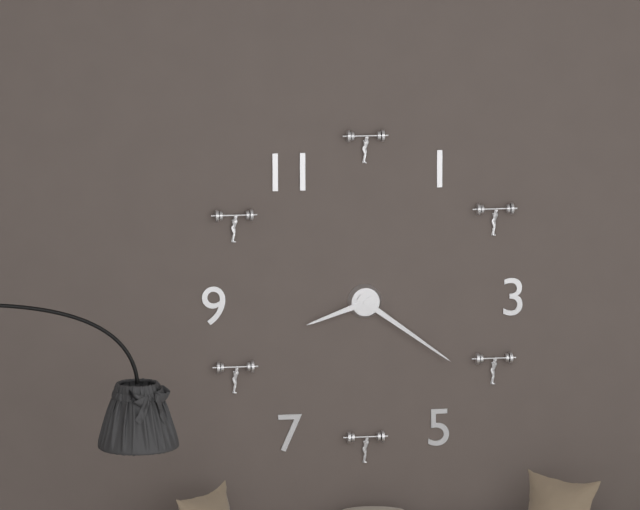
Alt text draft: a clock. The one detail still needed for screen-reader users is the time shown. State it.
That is 8:21
